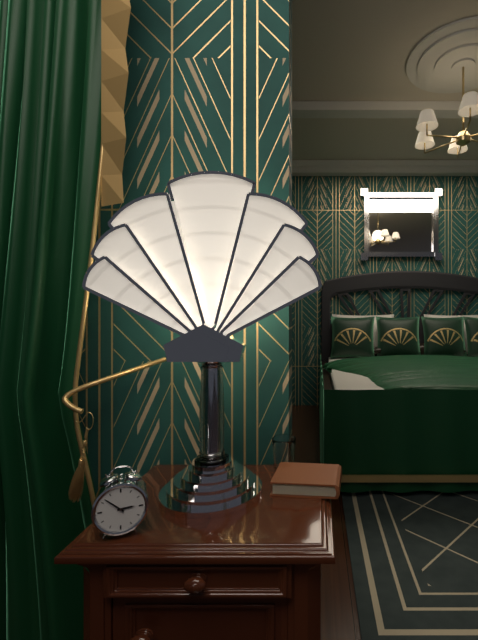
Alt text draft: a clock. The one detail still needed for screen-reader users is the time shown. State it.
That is 2:52
